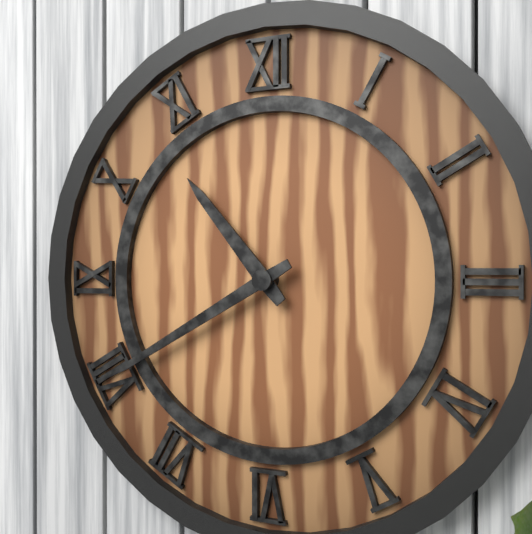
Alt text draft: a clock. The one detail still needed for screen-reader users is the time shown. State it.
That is 10:40
